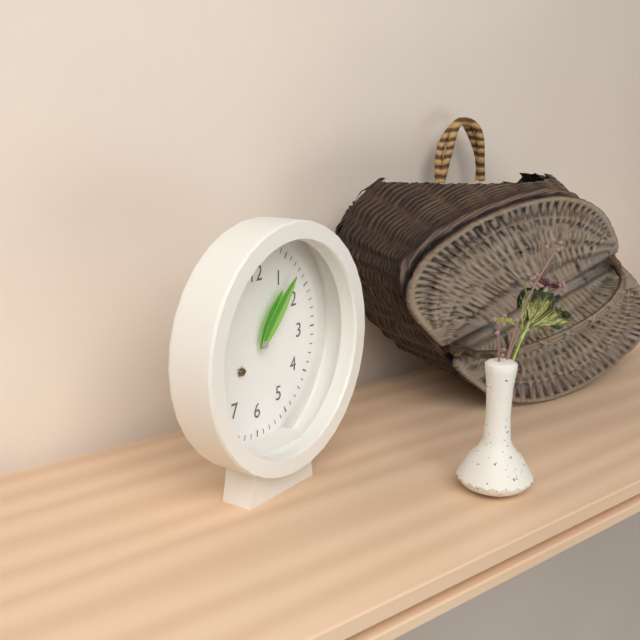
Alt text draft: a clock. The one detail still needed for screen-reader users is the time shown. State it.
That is 1:07
